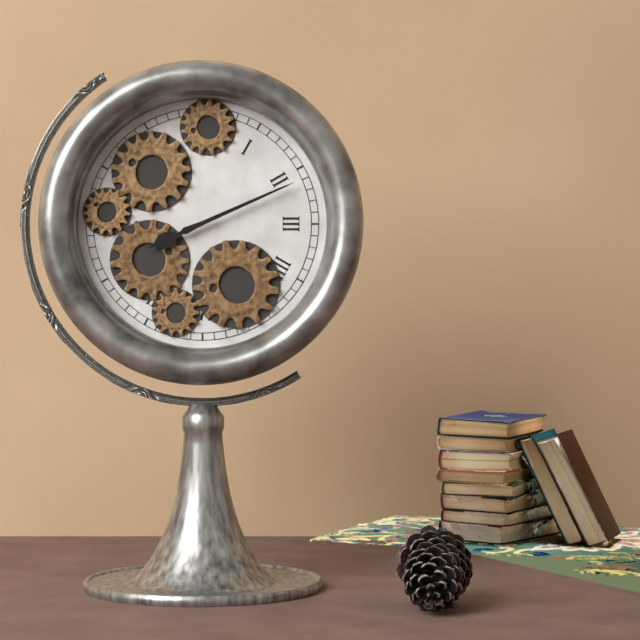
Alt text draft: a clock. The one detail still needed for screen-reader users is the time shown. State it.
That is 8:11
